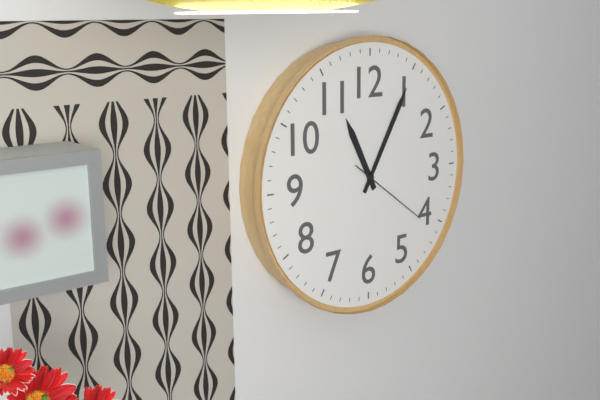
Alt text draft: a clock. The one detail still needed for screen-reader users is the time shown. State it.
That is 11:05:21
